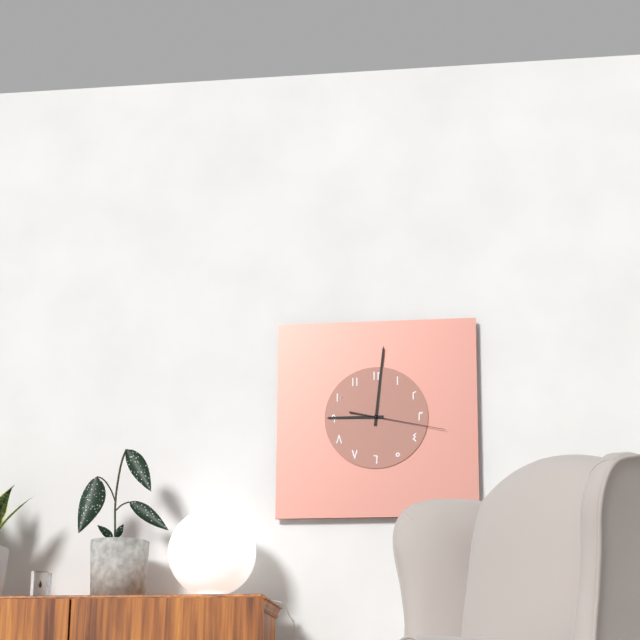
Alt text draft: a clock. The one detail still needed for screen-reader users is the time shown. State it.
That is 9:01:17
